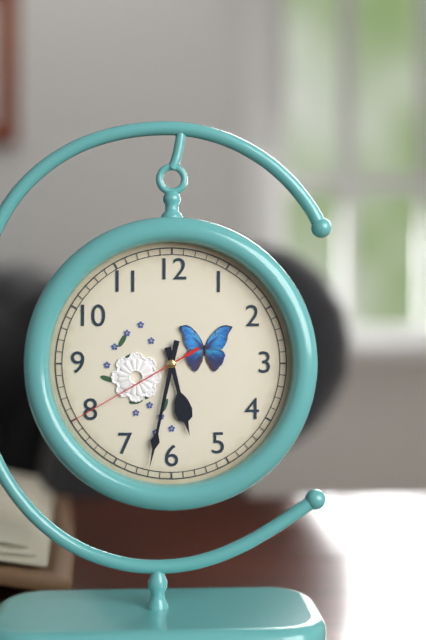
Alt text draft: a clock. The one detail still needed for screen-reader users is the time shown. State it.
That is 5:32:40
